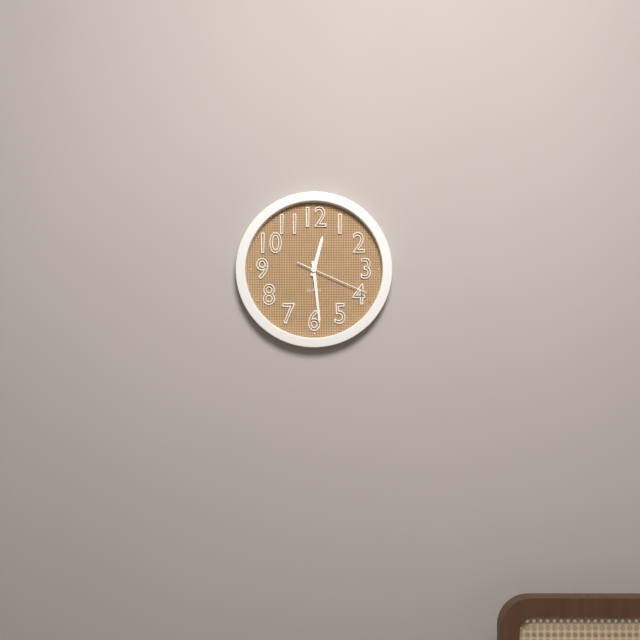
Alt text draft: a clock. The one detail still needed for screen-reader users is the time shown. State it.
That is 12:29:19
